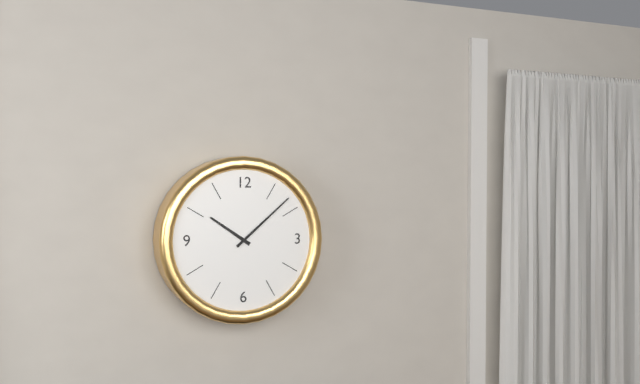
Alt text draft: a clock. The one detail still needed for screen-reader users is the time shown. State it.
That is 10:08
